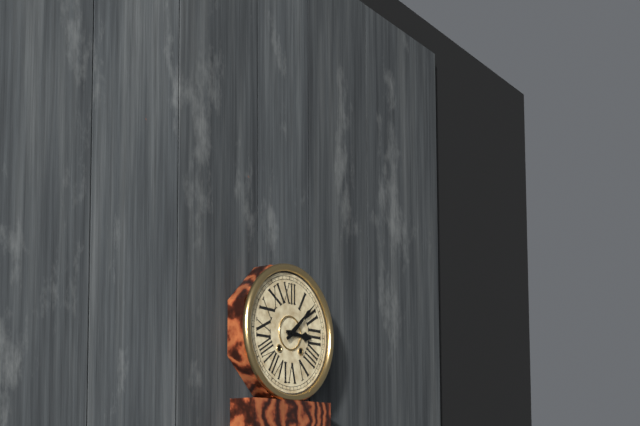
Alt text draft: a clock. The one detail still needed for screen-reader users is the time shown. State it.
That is 3:08
